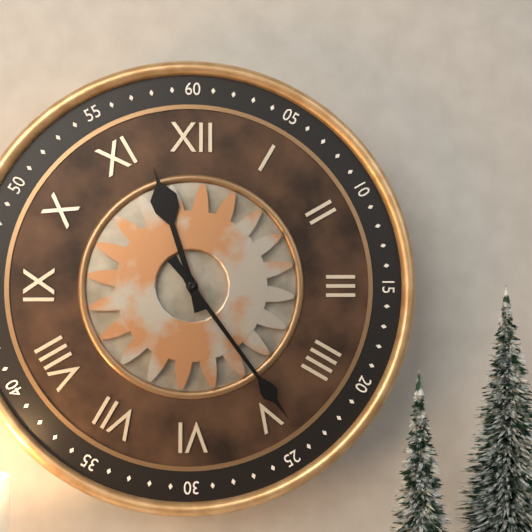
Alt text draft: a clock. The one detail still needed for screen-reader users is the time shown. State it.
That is 11:24
